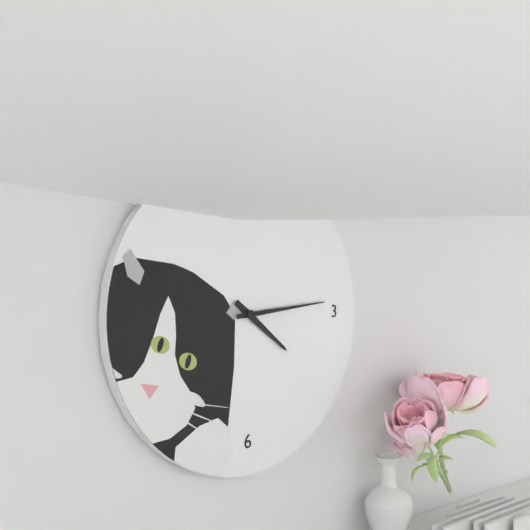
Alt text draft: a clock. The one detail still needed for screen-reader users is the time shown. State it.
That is 4:14
